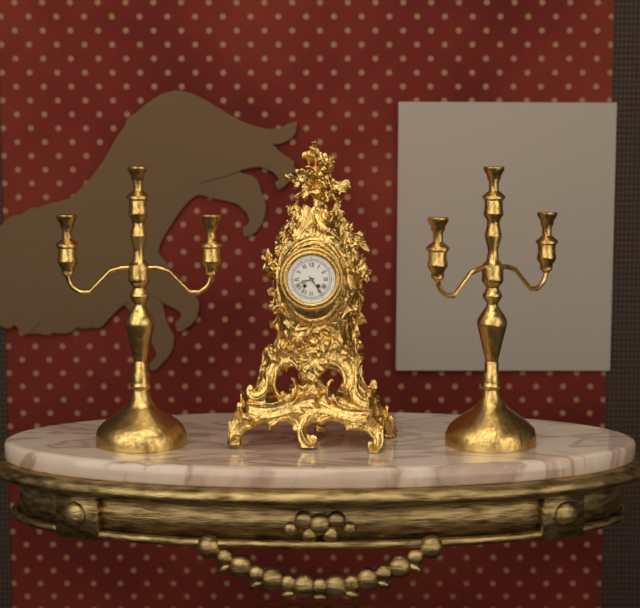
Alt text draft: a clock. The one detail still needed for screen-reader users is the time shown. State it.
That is 8:24
